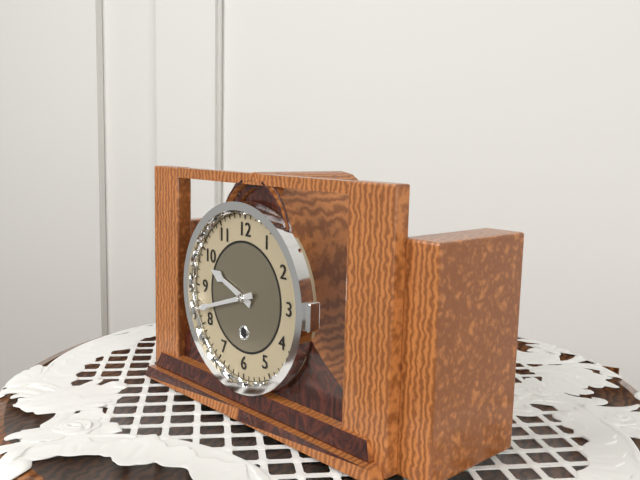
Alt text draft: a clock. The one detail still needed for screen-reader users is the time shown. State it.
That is 9:42
